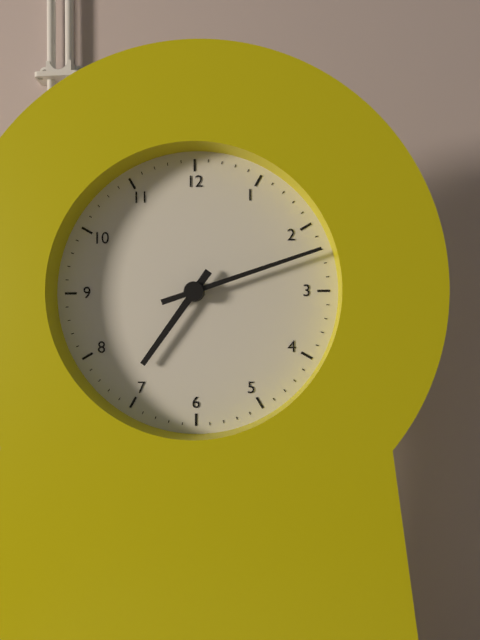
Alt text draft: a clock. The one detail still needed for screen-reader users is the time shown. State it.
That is 7:12
